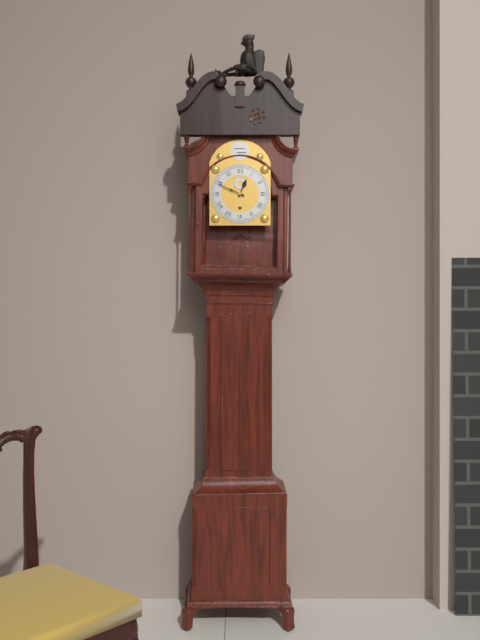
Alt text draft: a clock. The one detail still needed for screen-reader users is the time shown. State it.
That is 12:49
